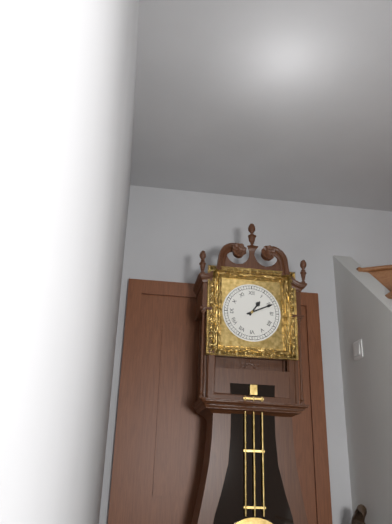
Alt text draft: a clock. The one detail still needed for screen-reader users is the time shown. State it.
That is 1:11
